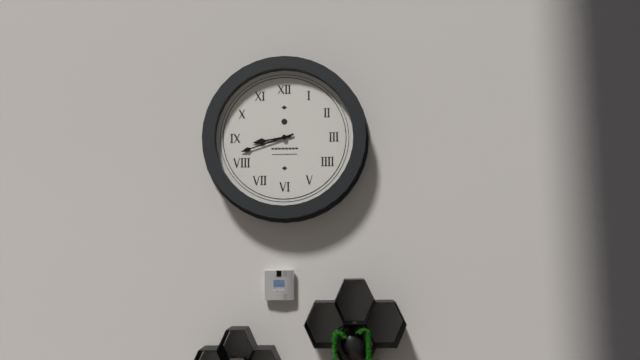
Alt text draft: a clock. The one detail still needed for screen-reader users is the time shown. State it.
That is 8:42
